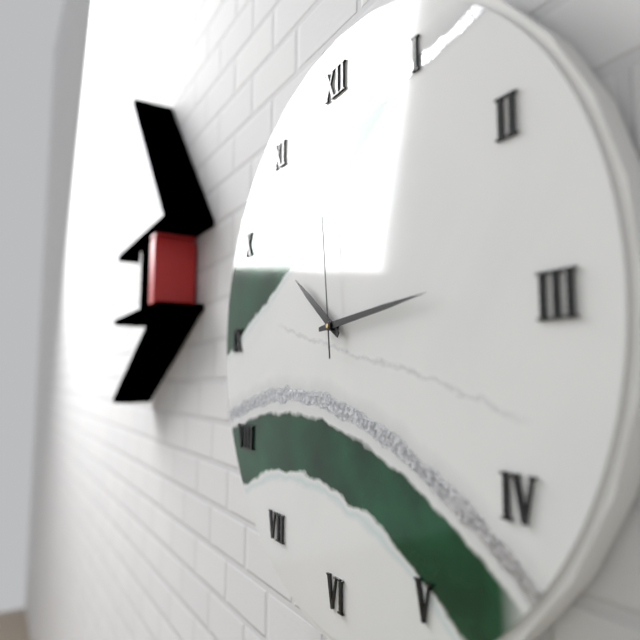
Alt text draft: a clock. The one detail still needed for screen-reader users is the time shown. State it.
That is 10:14:59
